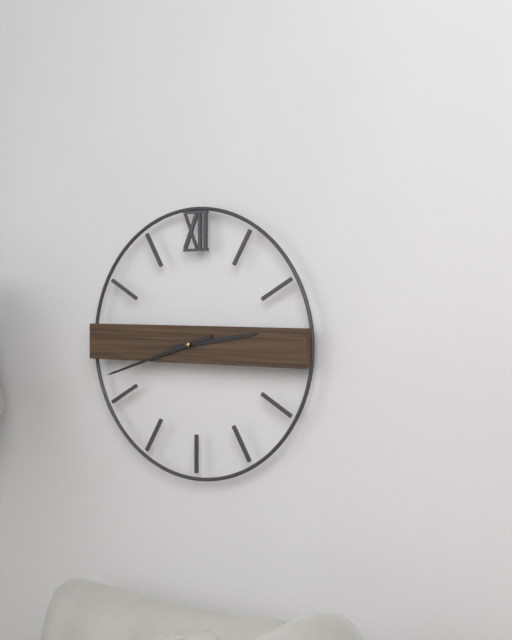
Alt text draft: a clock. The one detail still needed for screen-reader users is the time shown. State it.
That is 2:42
